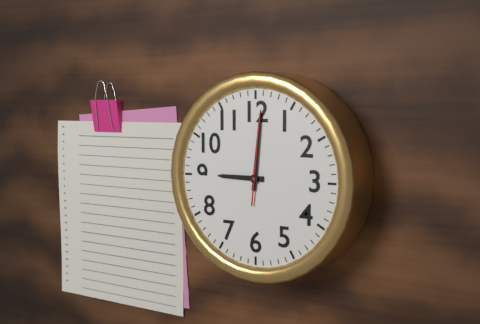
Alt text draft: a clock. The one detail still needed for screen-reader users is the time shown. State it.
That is 9:01:01
